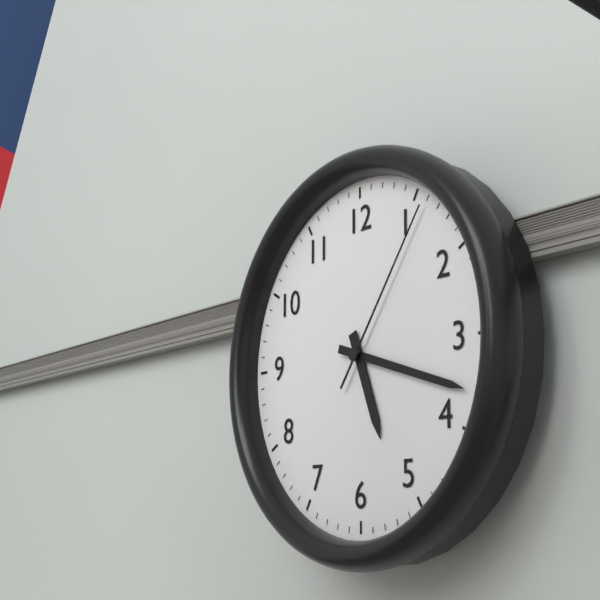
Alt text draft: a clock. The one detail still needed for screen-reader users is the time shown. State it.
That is 5:18:06
